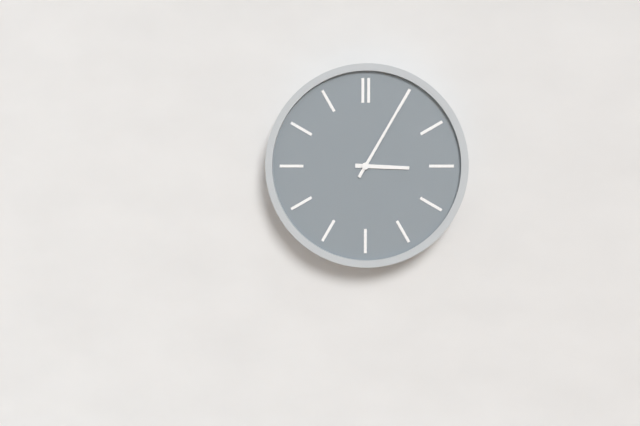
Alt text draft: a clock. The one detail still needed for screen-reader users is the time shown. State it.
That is 3:05
